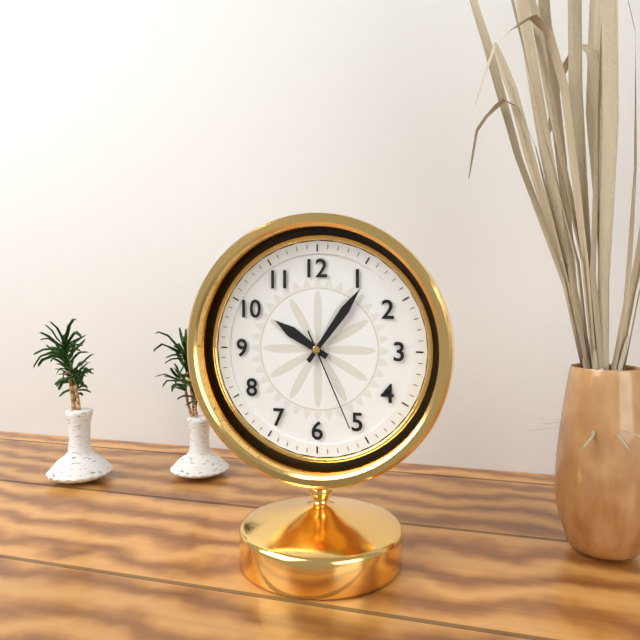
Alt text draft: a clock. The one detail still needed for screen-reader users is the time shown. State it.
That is 10:06:26
